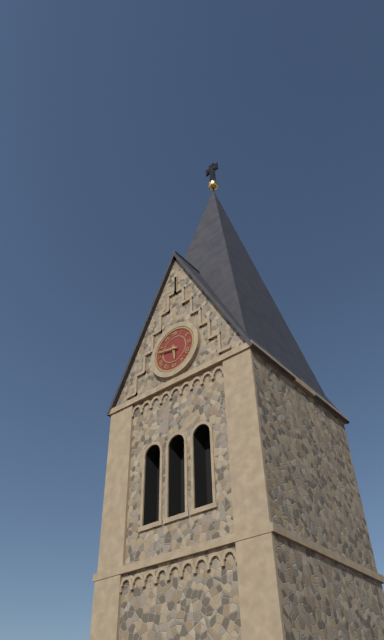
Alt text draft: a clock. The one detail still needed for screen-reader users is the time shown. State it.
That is 5:47
